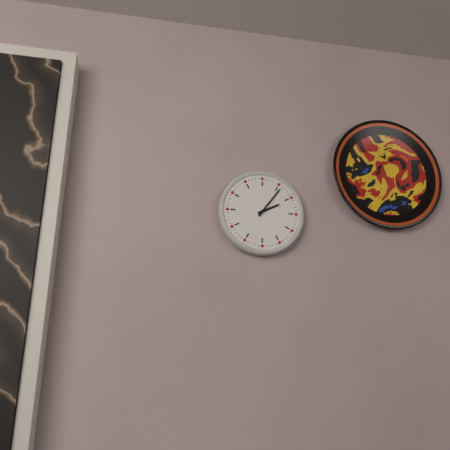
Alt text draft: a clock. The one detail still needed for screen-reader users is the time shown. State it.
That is 2:06
